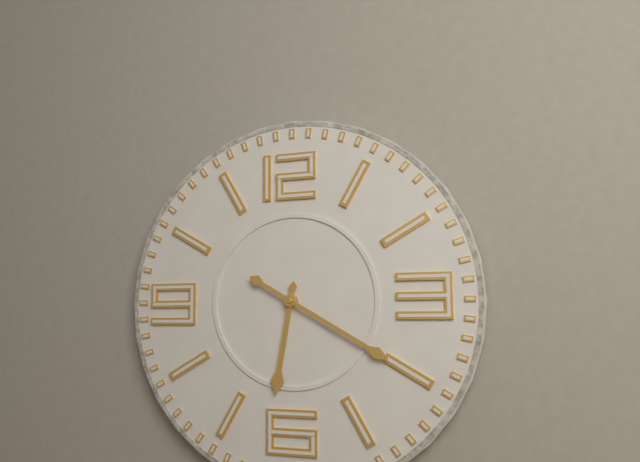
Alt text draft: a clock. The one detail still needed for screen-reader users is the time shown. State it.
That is 6:20
